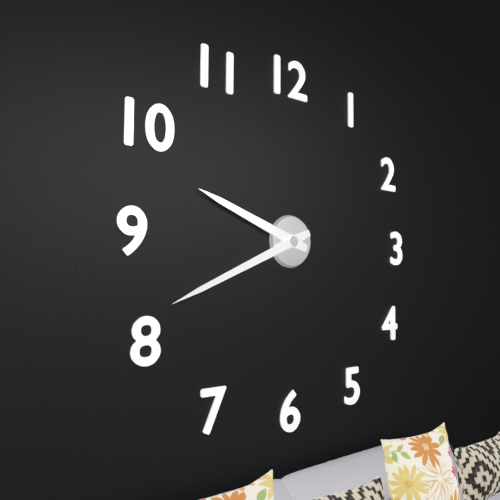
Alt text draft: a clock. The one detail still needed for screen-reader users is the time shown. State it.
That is 9:41
